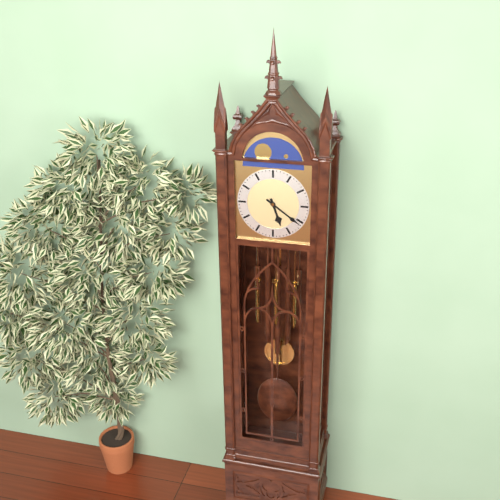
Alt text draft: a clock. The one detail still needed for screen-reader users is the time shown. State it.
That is 5:21
